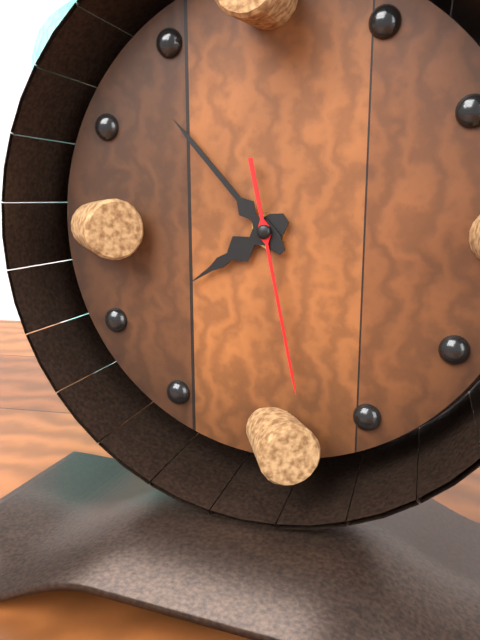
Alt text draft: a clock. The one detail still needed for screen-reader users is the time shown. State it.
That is 7:53:28
